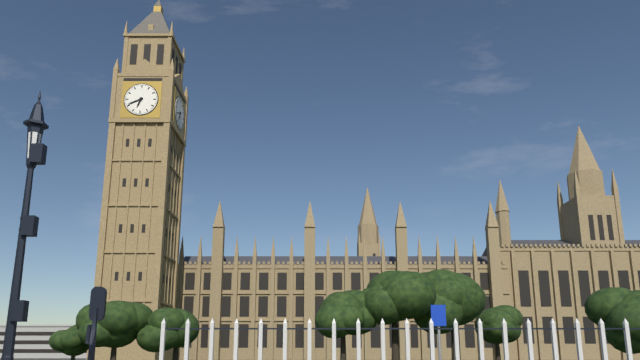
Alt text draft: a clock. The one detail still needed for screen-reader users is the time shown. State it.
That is 6:41
